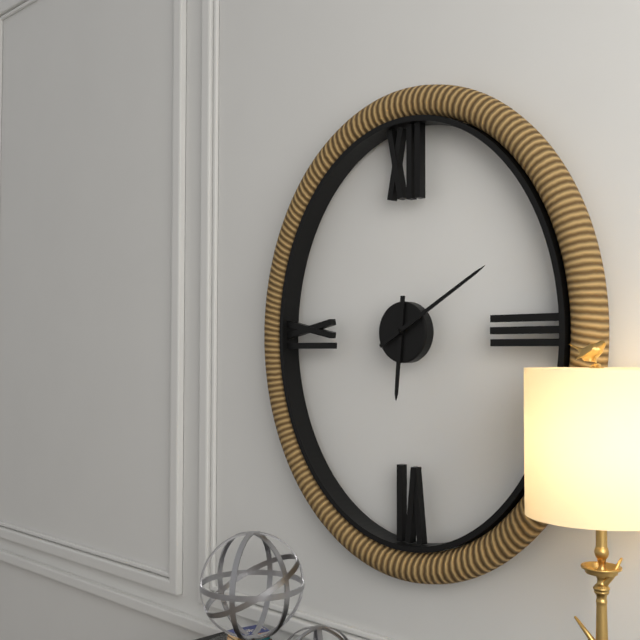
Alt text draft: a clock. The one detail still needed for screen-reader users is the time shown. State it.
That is 6:10
